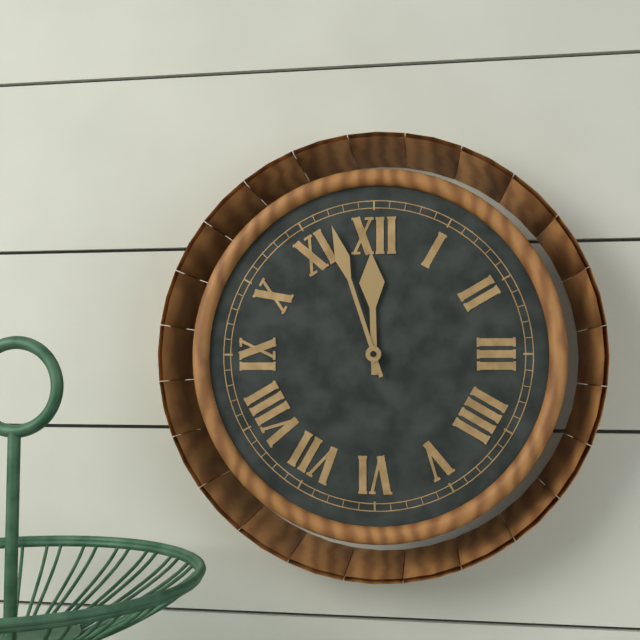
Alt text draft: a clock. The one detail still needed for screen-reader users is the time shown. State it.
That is 11:57
